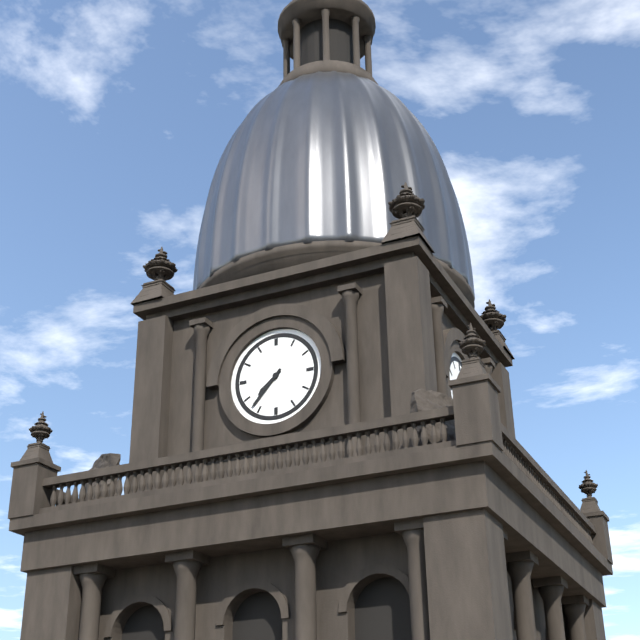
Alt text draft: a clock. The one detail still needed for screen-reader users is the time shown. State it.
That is 7:37
